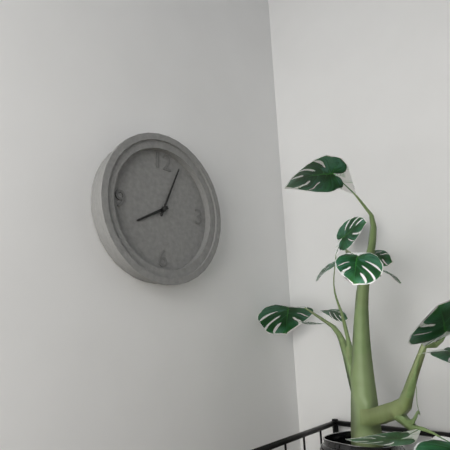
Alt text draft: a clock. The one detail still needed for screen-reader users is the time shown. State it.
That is 8:04
